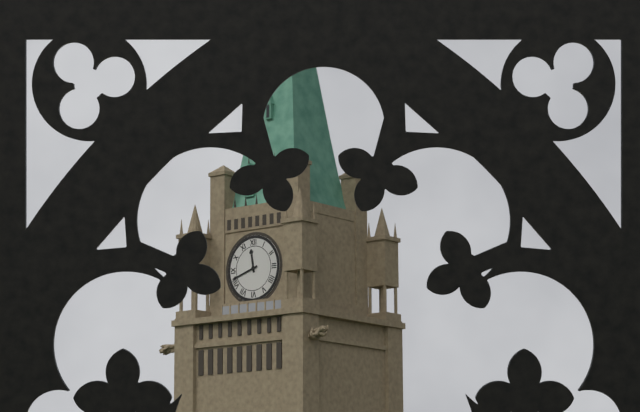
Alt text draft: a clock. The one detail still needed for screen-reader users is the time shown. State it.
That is 11:42
